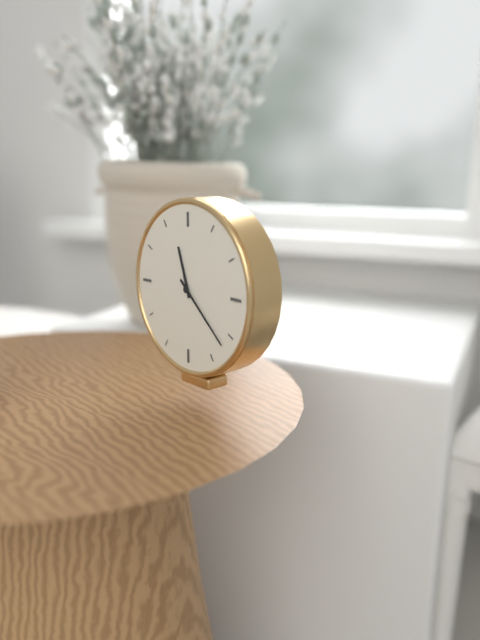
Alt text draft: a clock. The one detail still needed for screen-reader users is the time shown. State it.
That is 11:22
